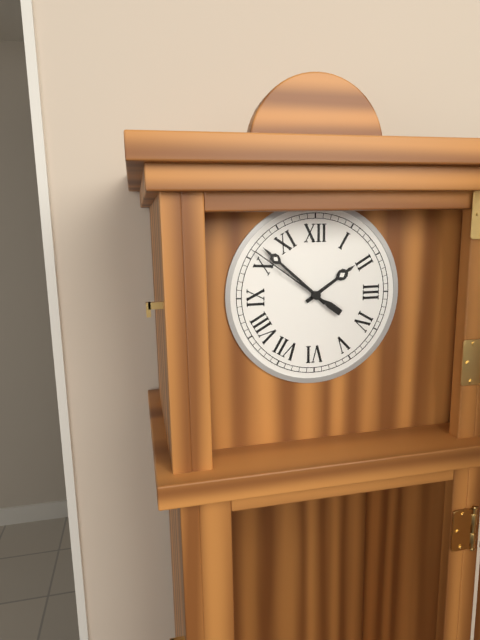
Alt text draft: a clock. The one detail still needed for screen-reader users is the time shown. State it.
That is 1:52:51
